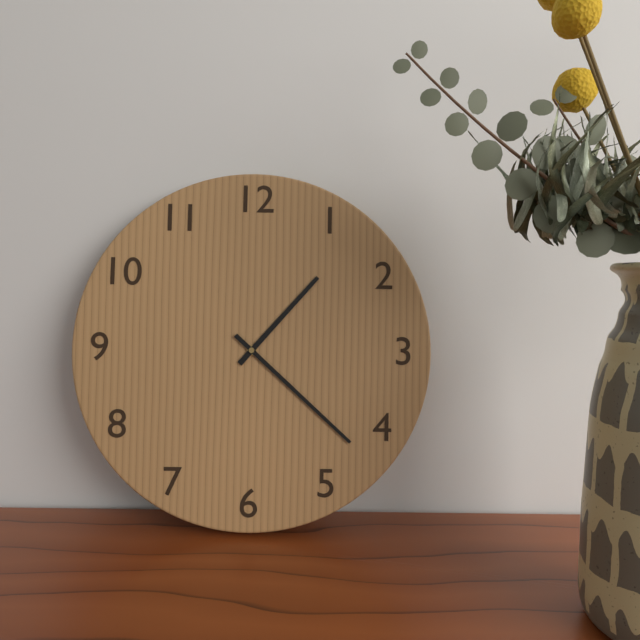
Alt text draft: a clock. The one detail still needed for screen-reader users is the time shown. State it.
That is 1:22
